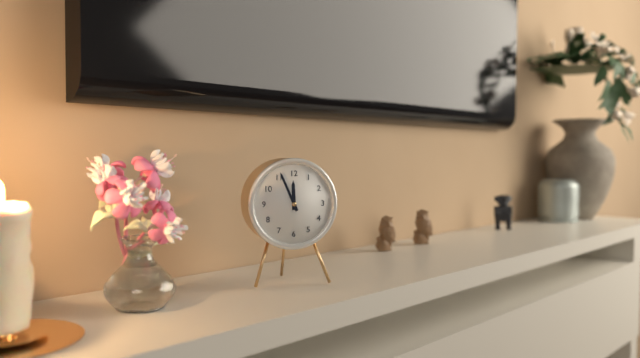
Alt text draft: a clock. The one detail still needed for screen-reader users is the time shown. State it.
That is 11:56
